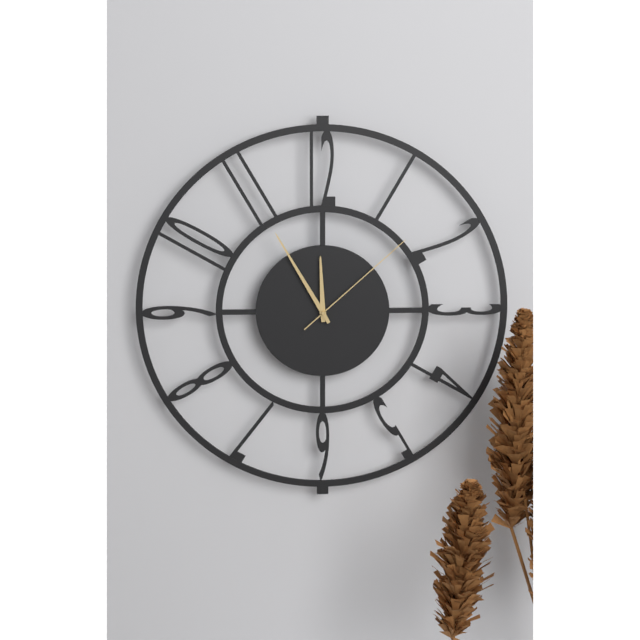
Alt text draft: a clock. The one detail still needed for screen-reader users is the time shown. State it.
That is 11:55:08
